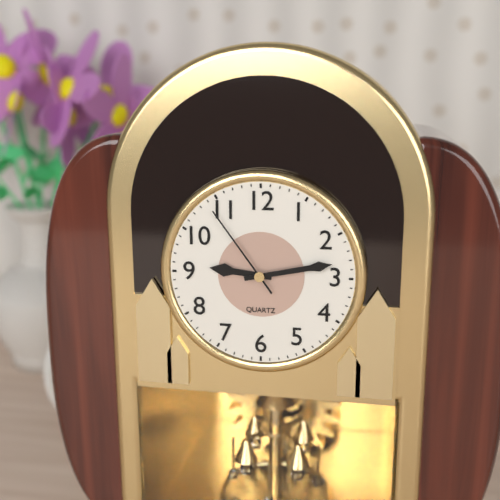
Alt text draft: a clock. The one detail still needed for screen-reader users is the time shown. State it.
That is 9:13:54
